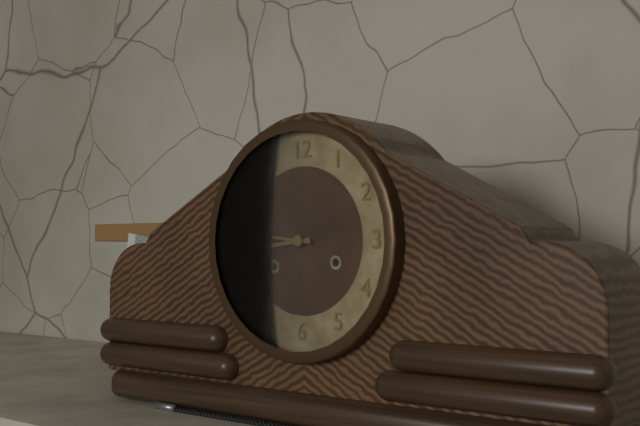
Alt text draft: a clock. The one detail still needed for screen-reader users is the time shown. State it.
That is 8:46
